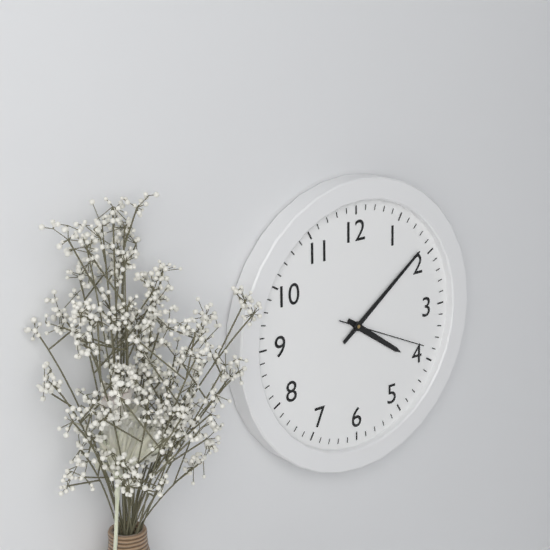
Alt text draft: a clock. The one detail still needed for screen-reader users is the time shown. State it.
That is 4:09:19
